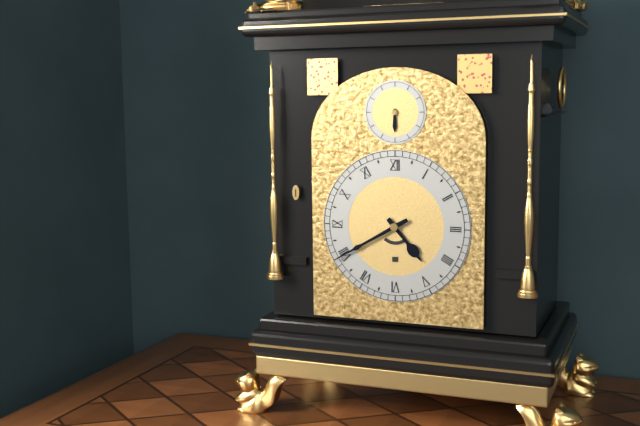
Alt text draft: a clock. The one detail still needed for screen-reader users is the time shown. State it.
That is 4:40
